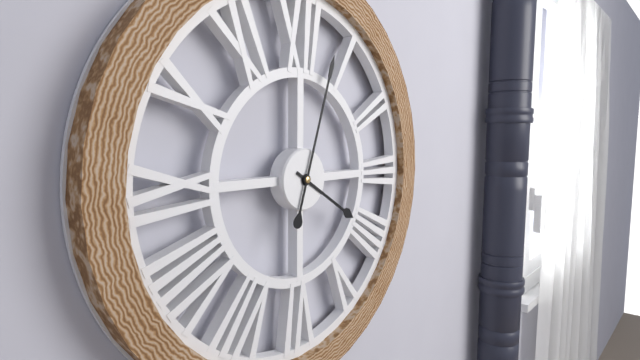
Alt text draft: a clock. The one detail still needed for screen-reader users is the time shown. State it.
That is 4:03
